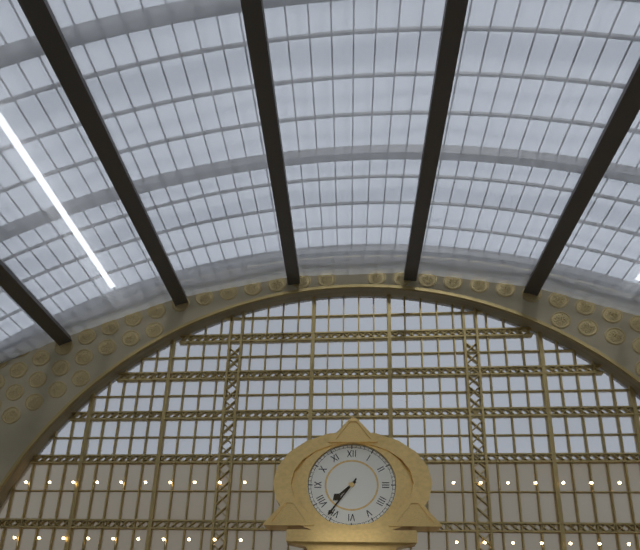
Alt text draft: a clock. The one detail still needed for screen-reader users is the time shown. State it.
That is 7:36
